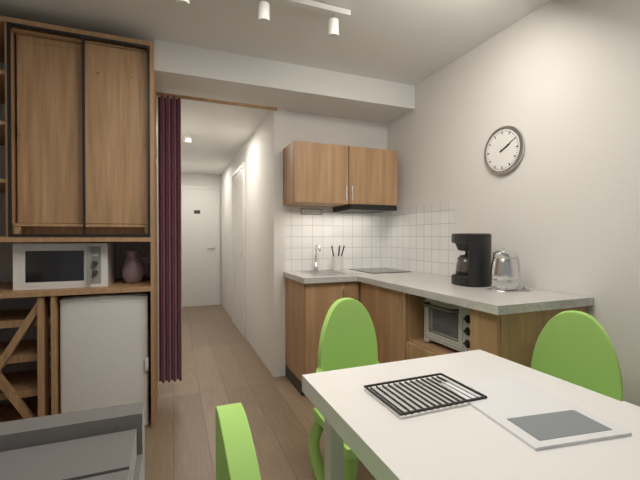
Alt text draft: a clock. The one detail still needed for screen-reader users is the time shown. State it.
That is 2:10
